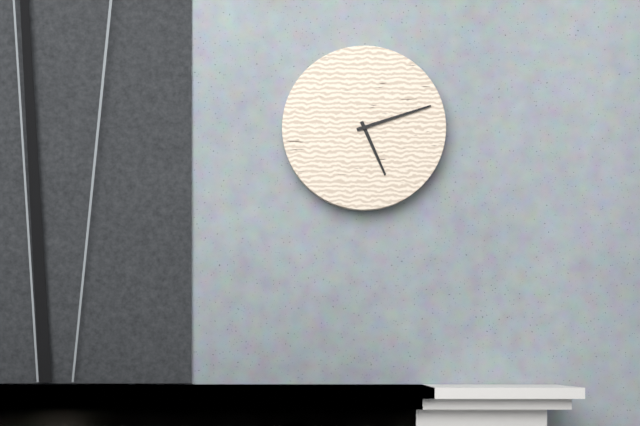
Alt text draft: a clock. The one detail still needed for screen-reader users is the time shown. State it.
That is 5:12
